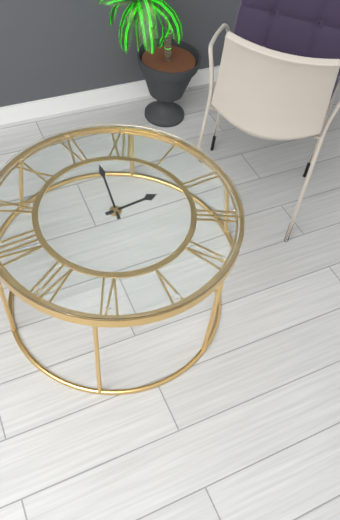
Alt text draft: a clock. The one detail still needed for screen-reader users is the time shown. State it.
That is 1:57
